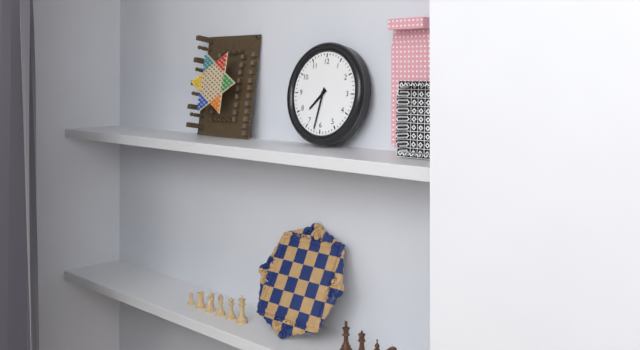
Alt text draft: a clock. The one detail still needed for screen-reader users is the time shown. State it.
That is 7:32
